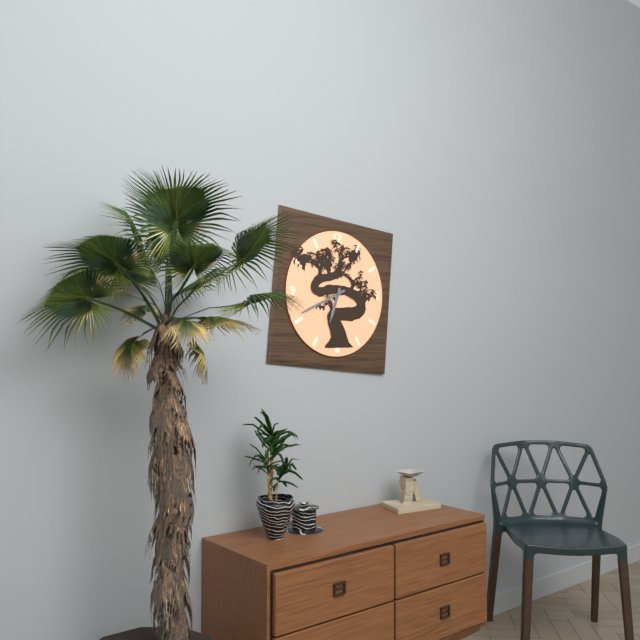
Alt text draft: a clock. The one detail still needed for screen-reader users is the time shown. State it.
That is 6:41
